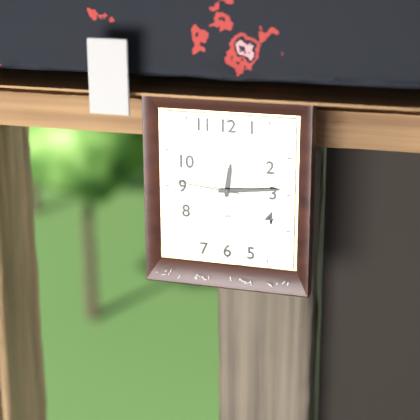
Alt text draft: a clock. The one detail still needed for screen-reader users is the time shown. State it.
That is 12:14:46
